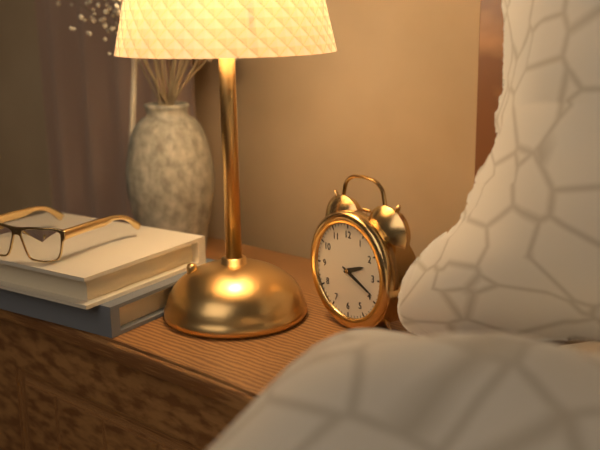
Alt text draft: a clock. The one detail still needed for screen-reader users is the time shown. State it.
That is 2:19
